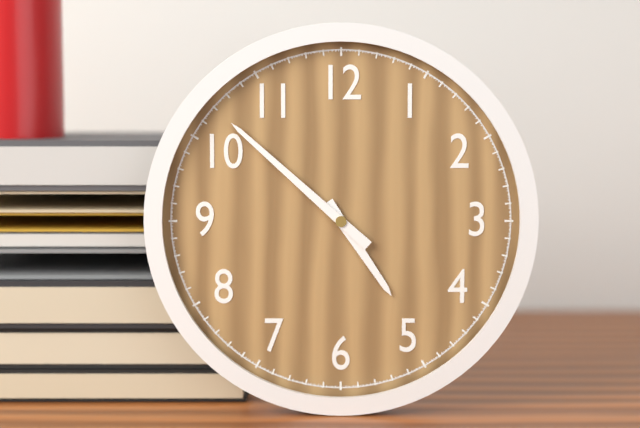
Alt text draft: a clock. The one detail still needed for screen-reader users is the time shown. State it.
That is 4:52
